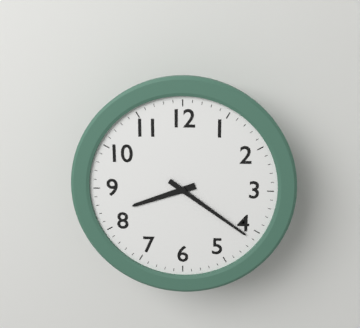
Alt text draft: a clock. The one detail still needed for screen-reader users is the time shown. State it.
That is 8:21
